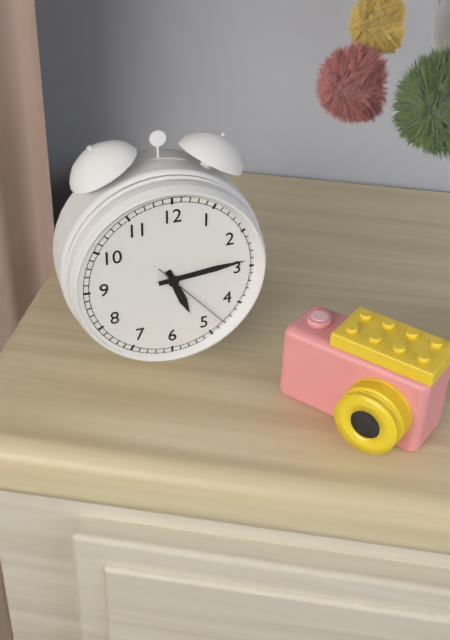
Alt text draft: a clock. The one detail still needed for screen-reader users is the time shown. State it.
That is 5:14:23
